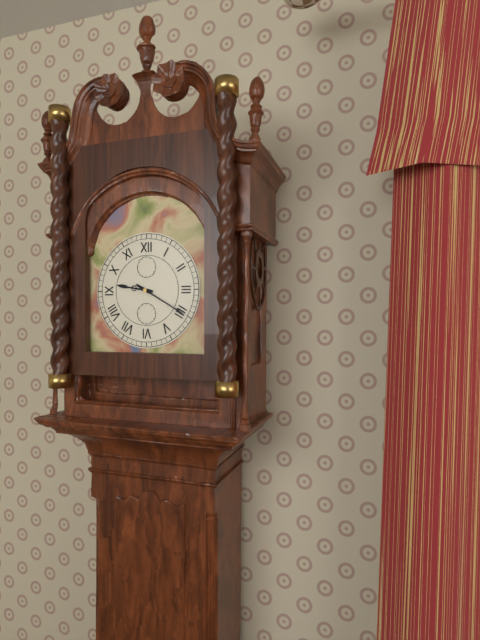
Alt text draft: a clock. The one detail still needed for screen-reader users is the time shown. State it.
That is 9:20
